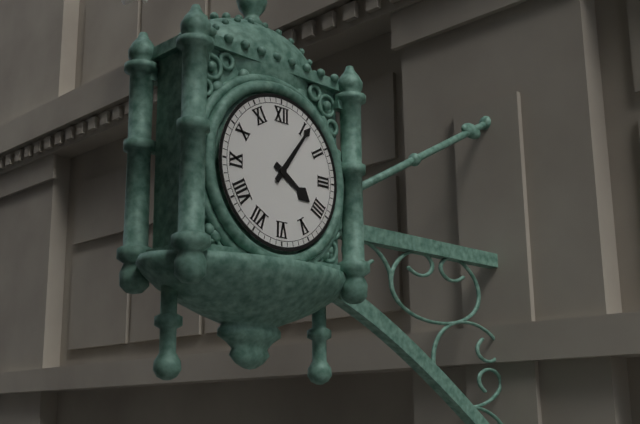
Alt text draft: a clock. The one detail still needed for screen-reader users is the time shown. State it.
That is 4:06
